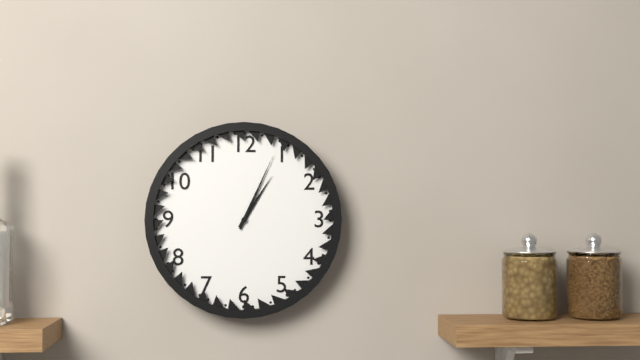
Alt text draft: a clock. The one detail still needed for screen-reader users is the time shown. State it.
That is 1:04
